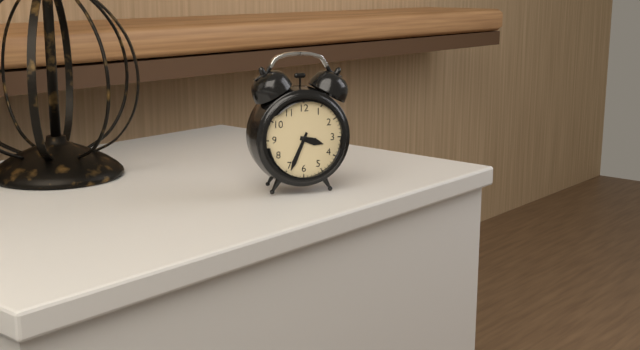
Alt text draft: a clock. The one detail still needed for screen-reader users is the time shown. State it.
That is 3:34
